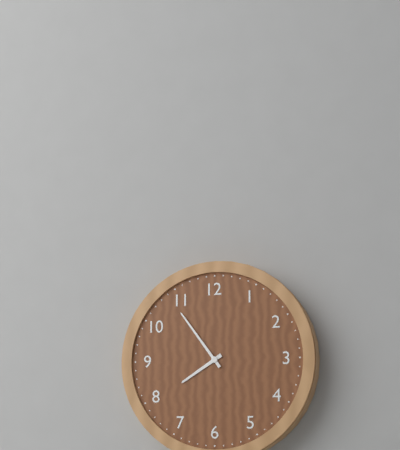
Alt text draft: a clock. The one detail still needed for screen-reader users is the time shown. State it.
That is 7:54
